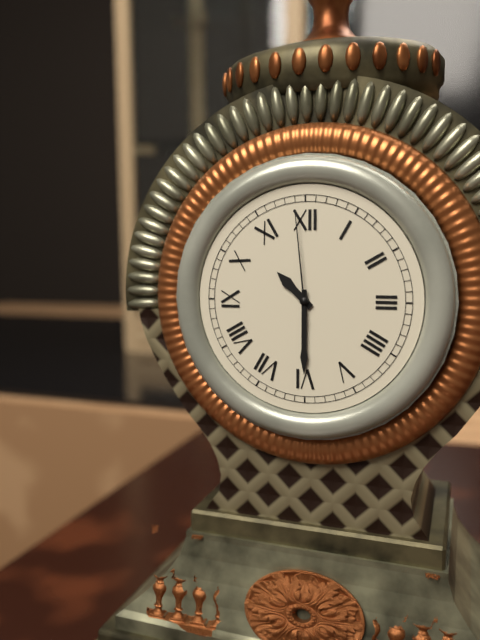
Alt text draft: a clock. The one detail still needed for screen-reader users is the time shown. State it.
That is 10:30:59
